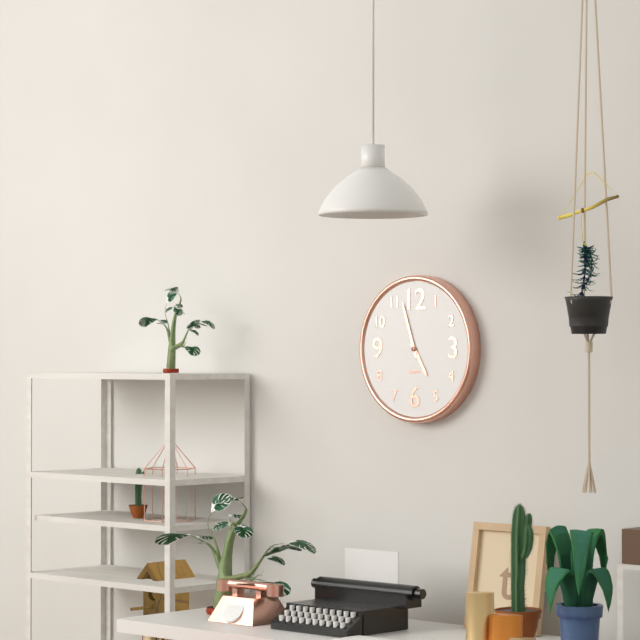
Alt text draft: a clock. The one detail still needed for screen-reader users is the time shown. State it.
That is 4:57
